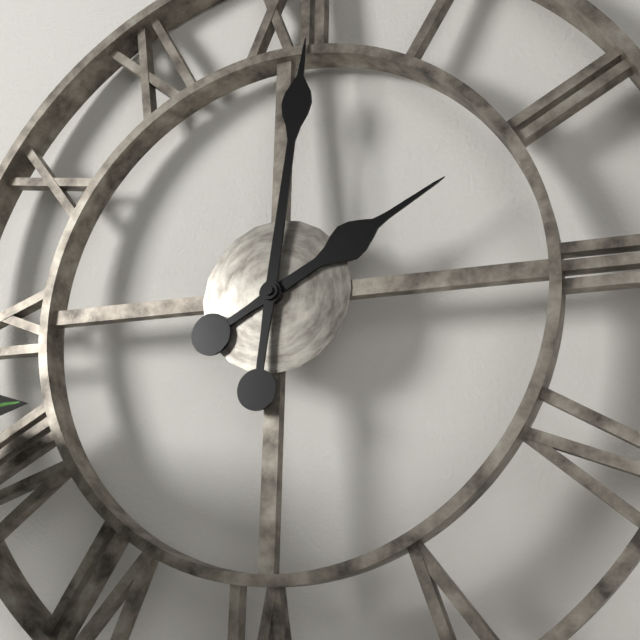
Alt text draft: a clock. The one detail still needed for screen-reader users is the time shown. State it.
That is 2:01
